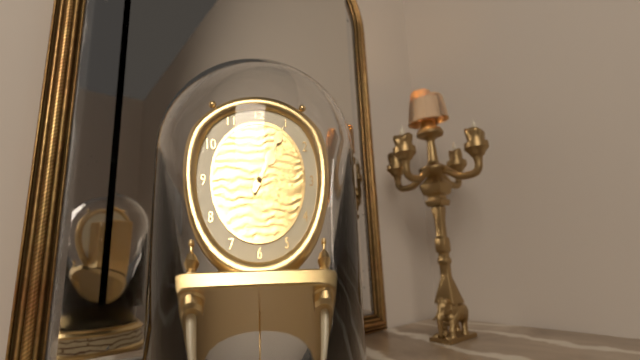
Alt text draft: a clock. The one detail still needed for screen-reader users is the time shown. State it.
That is 1:05
